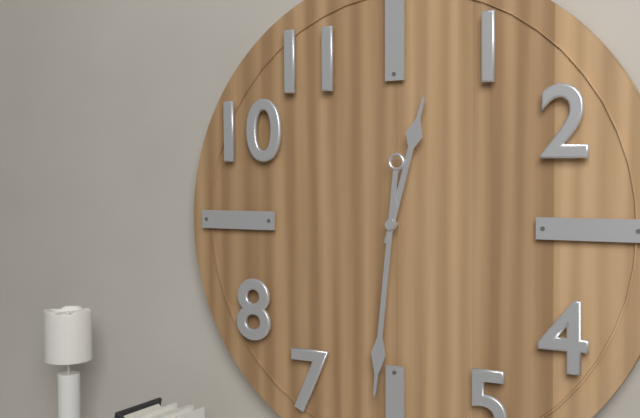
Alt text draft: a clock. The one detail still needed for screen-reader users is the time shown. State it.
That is 12:31
